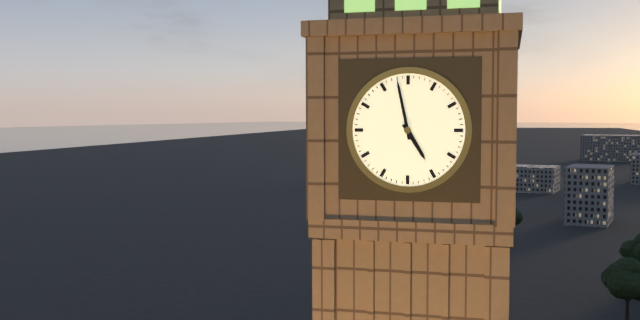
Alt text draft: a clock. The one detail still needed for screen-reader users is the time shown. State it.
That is 4:58
